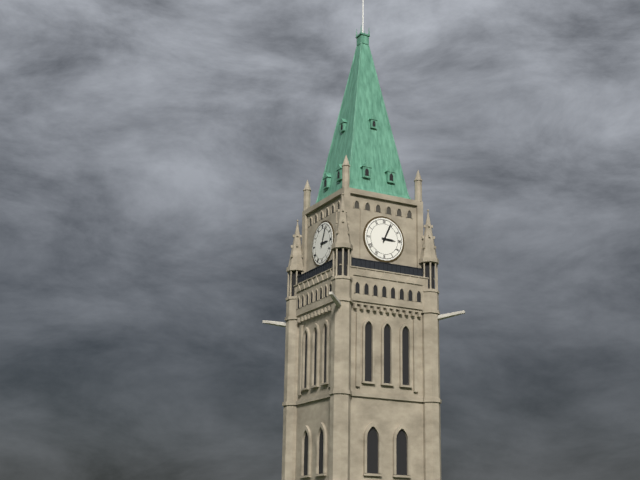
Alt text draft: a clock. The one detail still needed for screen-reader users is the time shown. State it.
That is 3:04
